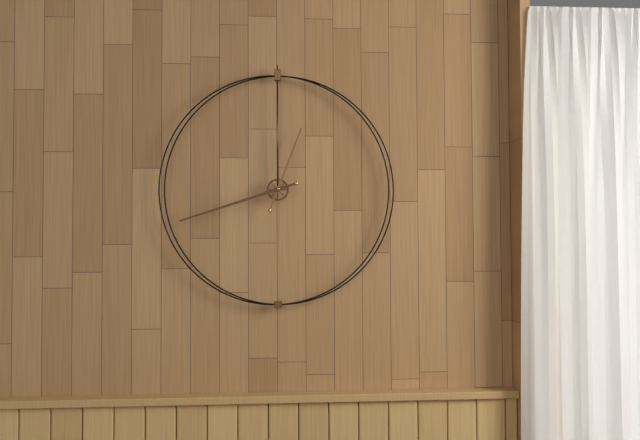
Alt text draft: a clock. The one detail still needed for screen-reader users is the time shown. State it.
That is 12:42
